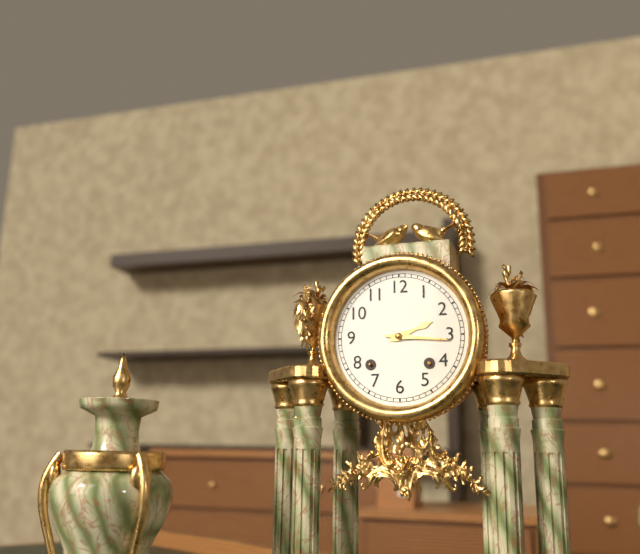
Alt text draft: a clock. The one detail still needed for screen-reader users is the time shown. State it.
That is 2:16
